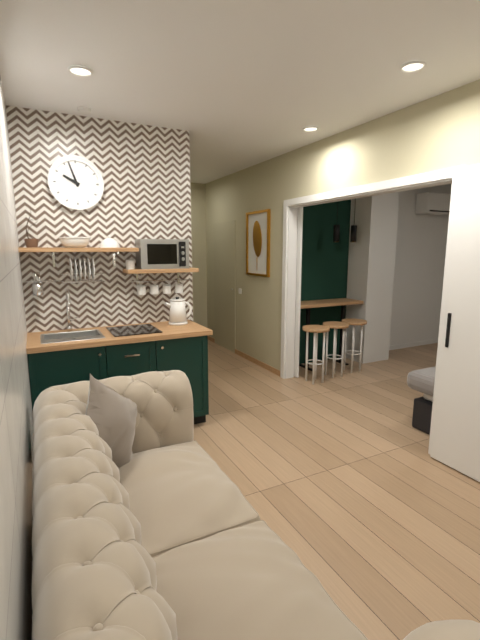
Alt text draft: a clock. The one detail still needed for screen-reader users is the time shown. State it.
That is 9:57
